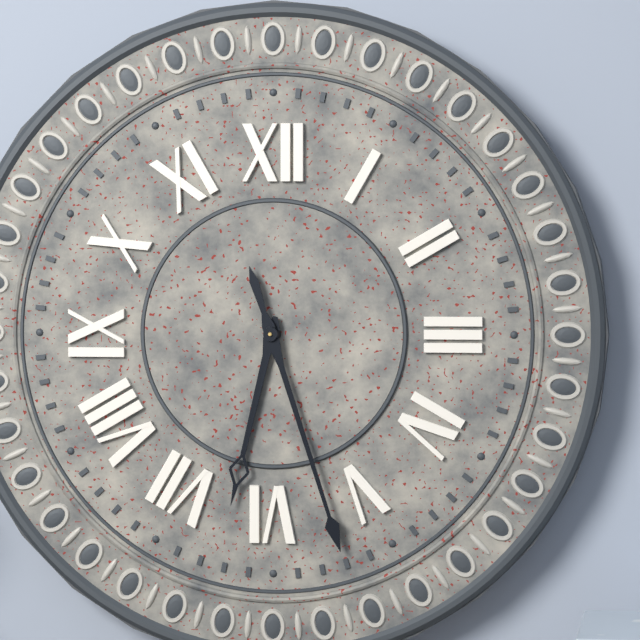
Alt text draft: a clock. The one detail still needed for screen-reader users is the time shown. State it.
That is 6:27
